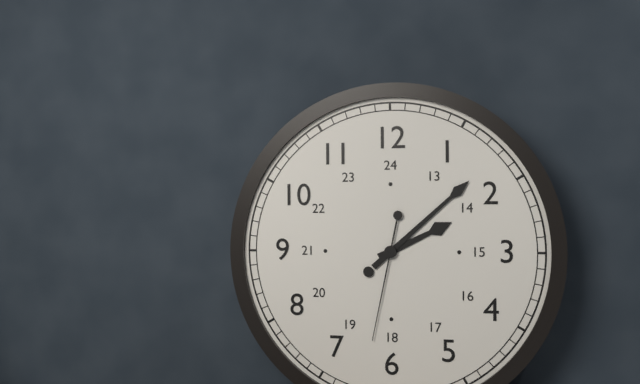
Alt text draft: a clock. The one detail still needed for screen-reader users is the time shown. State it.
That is 2:08:32
